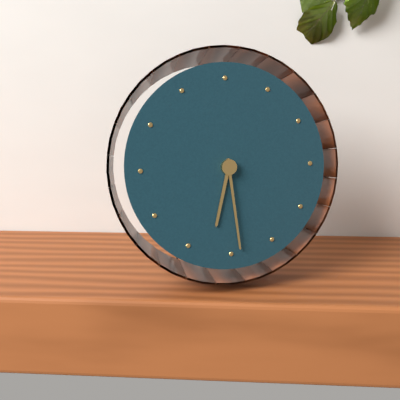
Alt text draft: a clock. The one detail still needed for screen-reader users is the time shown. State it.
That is 6:29
